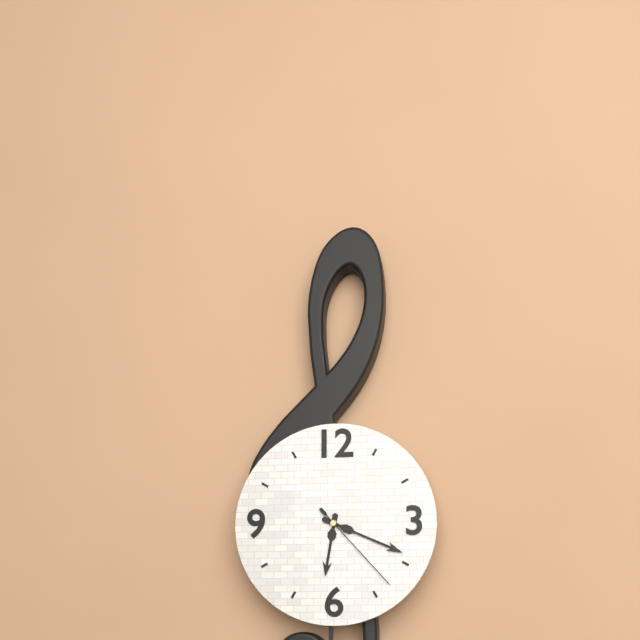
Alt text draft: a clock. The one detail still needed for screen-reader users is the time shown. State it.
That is 6:19:23
